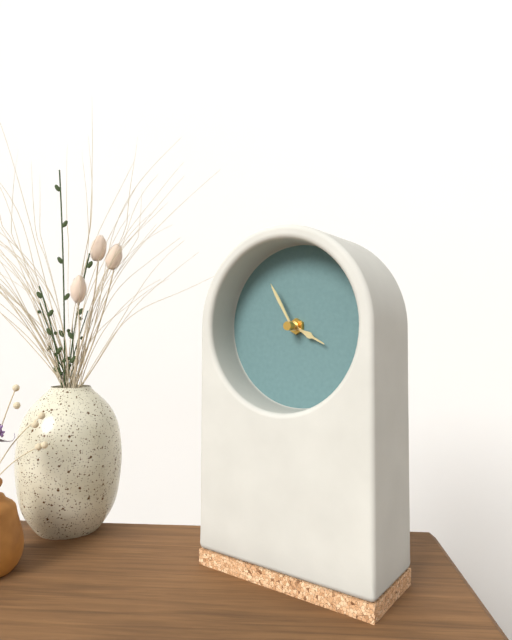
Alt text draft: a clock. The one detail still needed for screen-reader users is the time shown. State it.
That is 3:55
